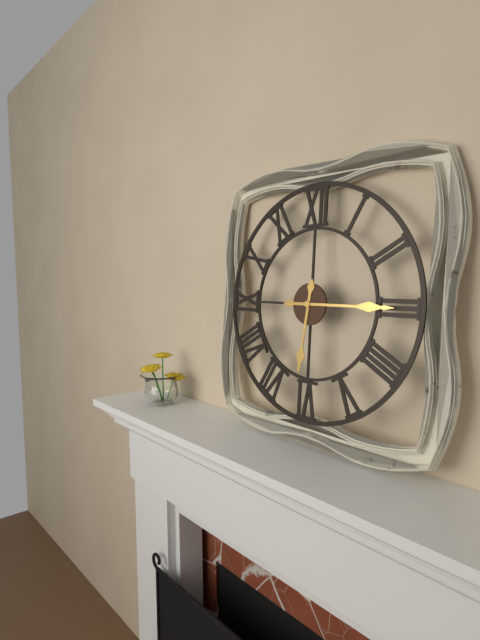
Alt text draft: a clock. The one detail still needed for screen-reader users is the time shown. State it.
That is 6:15
